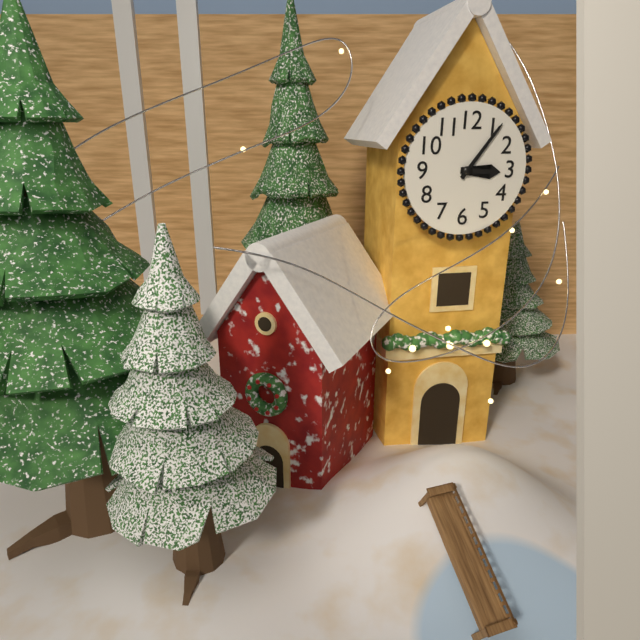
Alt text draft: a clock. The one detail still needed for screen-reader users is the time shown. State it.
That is 3:06
